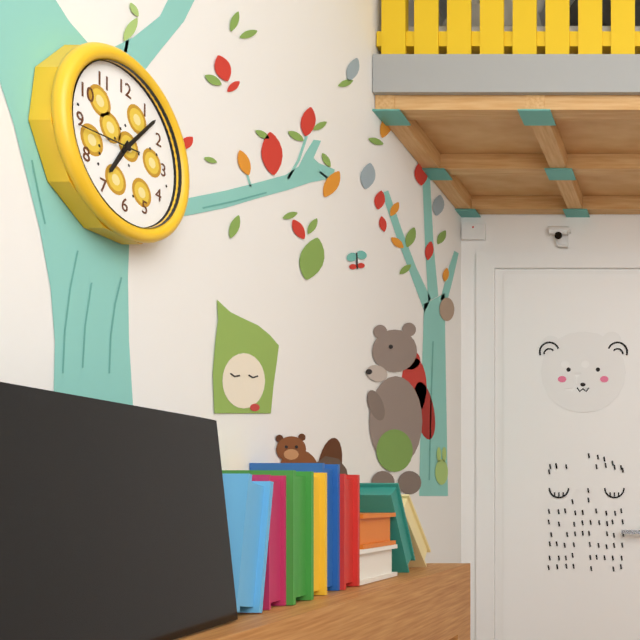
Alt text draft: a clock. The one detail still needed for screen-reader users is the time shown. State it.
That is 7:07:44
